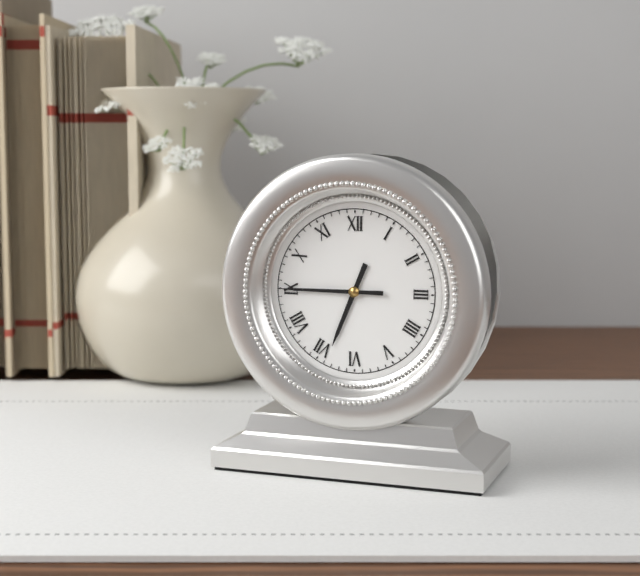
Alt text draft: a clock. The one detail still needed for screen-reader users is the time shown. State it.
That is 6:45
